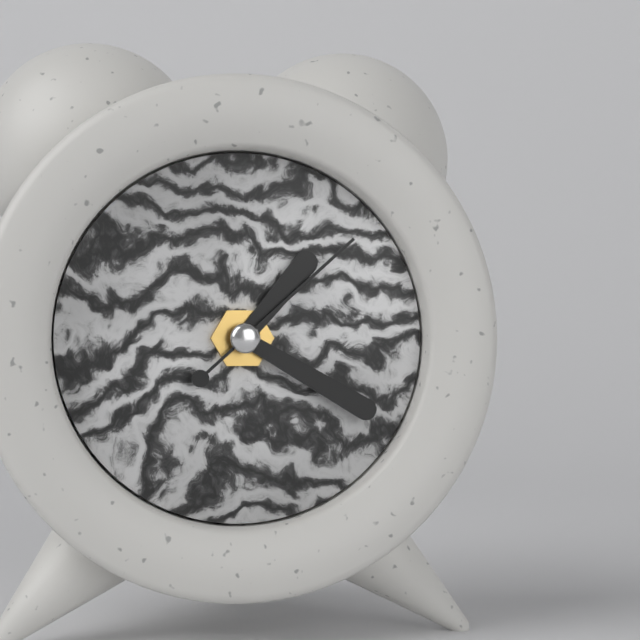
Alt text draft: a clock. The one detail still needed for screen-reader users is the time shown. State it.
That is 1:20:08
